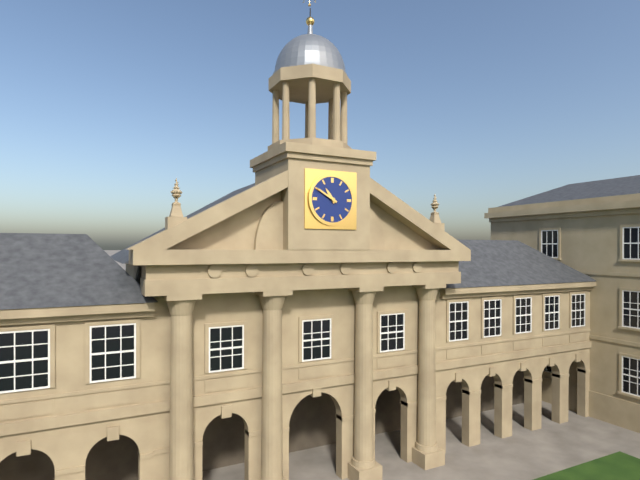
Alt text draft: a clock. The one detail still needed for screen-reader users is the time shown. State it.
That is 10:50
